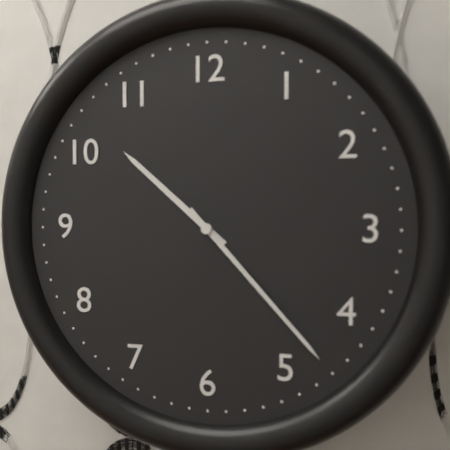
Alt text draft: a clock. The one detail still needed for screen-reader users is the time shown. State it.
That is 10:23
